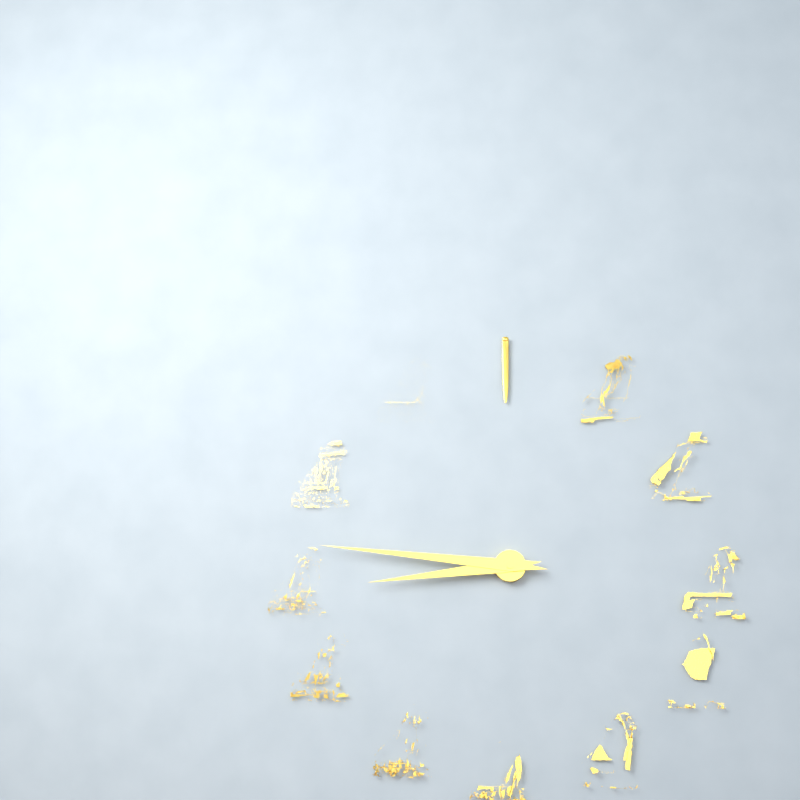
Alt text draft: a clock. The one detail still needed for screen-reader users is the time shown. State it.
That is 8:46
